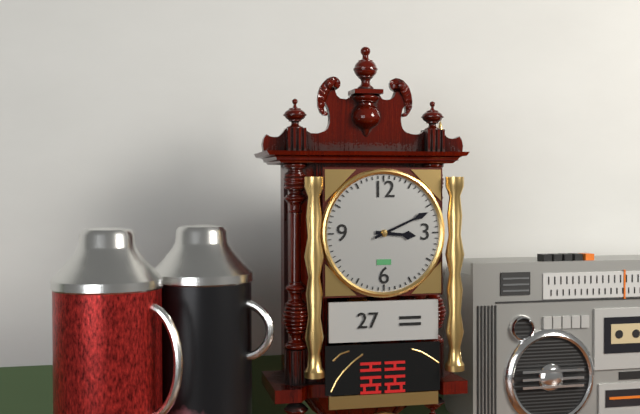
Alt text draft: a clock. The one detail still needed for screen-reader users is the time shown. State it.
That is 3:11
